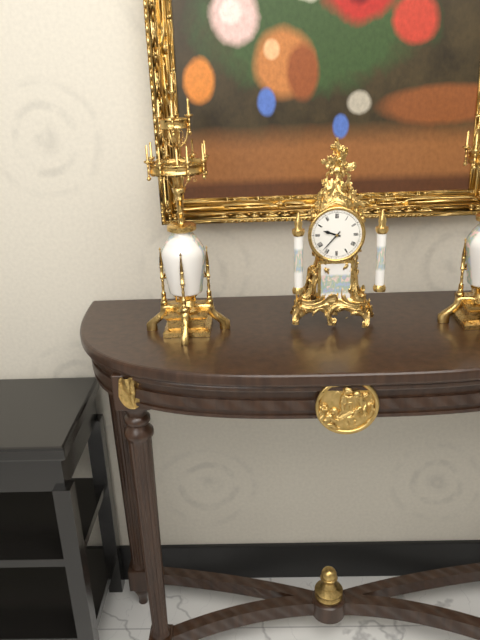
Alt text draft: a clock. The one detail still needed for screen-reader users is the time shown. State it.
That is 9:37
